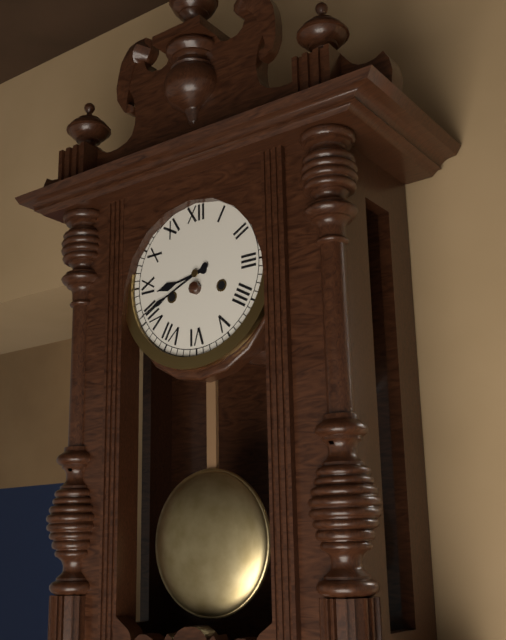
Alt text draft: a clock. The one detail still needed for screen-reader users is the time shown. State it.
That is 8:41
